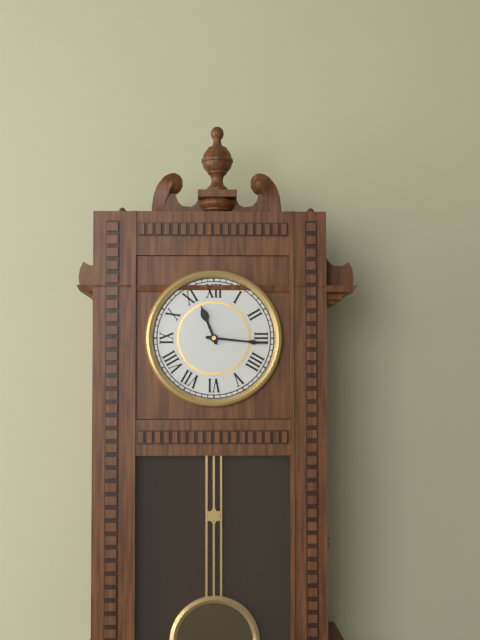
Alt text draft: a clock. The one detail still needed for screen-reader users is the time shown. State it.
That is 11:16
